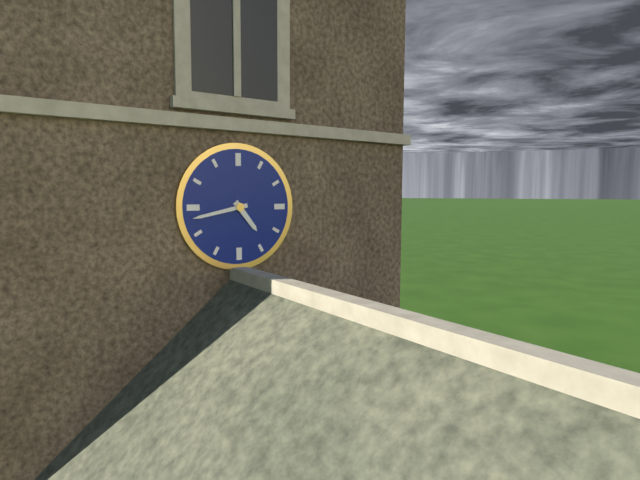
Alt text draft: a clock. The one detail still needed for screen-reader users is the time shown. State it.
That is 4:43
